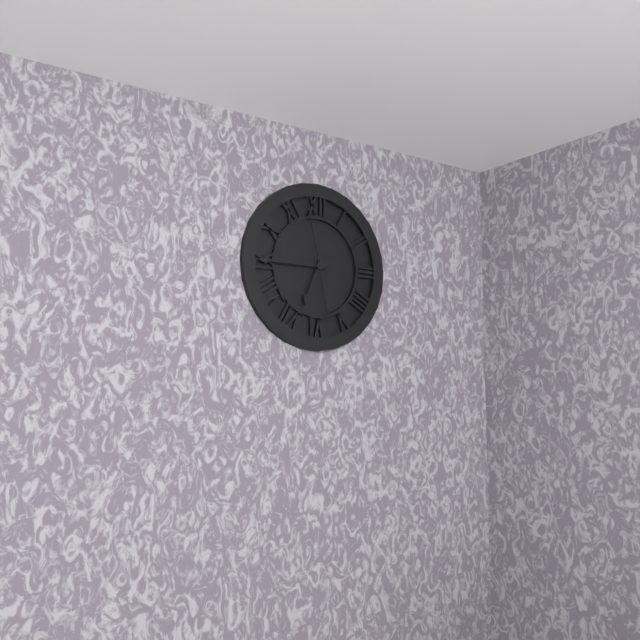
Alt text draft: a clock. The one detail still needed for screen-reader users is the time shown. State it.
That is 6:45:58
